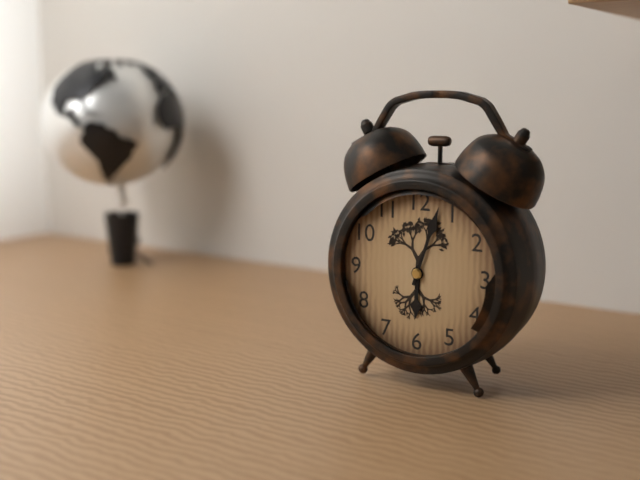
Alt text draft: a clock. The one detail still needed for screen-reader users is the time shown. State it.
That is 6:03
